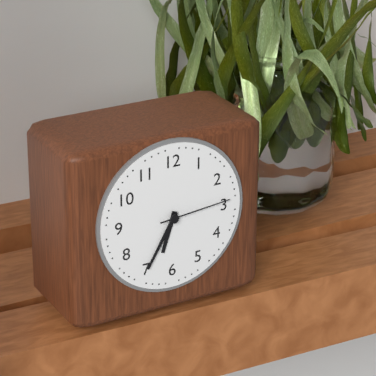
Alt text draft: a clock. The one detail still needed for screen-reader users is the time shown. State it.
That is 6:35:14
